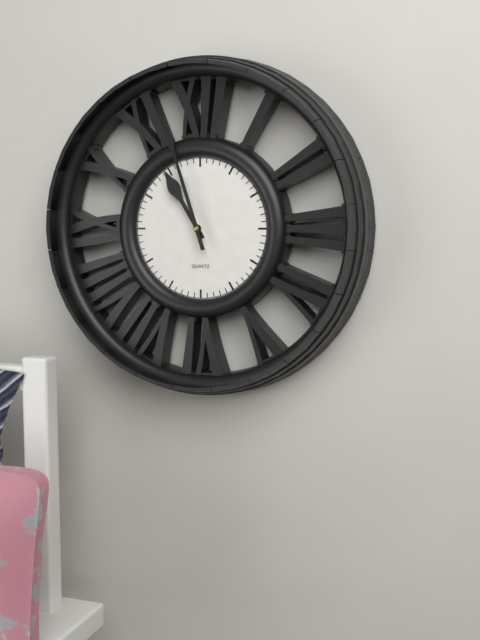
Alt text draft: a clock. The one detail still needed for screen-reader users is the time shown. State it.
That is 10:57
